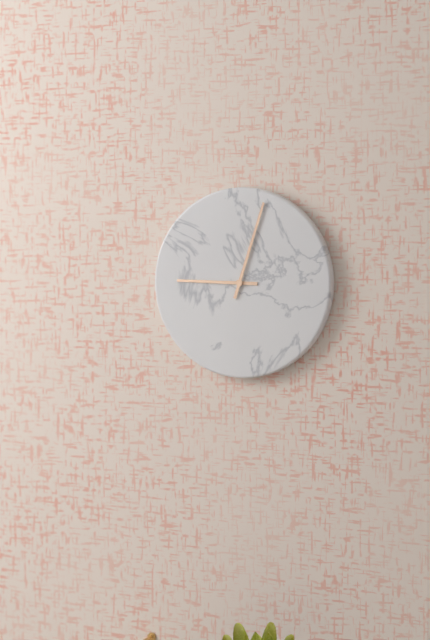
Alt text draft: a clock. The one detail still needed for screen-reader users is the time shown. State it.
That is 9:03
